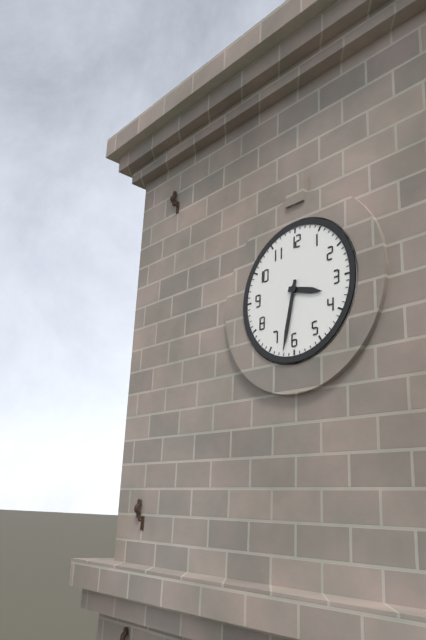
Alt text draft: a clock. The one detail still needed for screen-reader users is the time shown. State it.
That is 3:32
